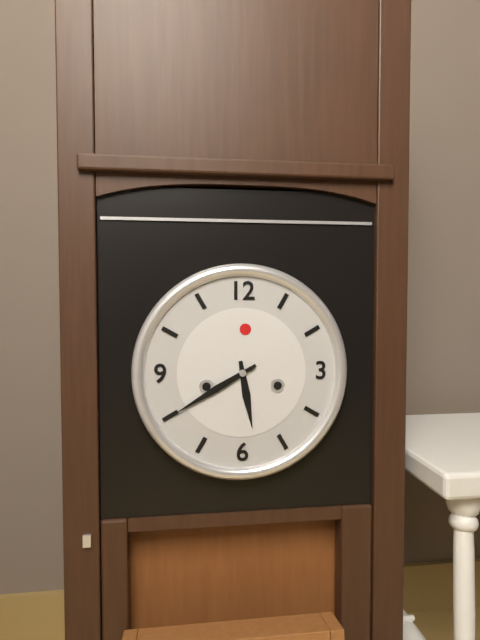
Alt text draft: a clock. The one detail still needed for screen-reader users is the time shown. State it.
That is 5:40
